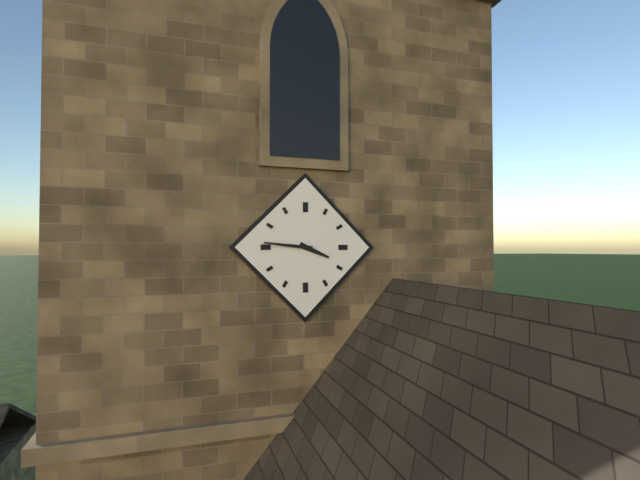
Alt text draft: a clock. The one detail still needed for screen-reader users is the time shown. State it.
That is 3:46
